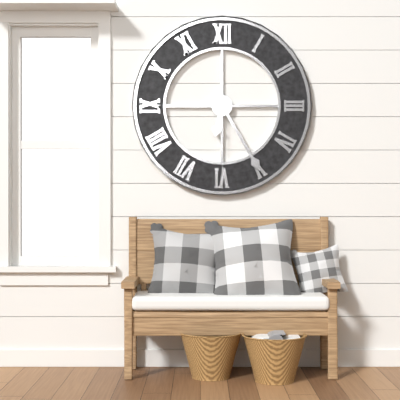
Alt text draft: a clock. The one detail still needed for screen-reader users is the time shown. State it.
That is 6:25:30
